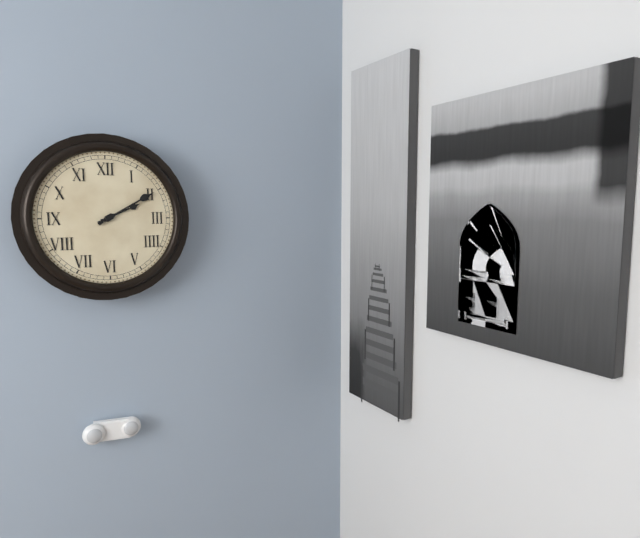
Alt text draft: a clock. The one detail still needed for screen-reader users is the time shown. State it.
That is 2:10
